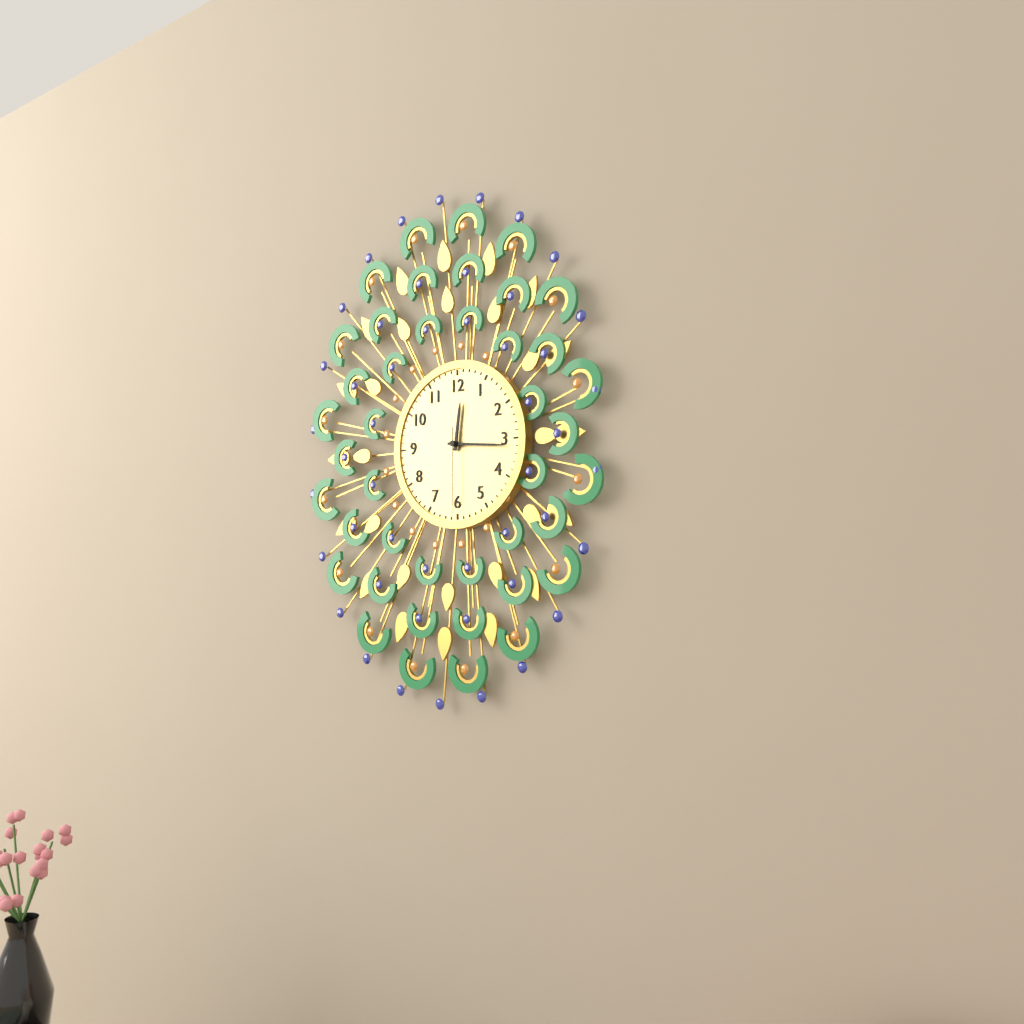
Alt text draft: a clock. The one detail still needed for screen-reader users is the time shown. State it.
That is 12:16:30
